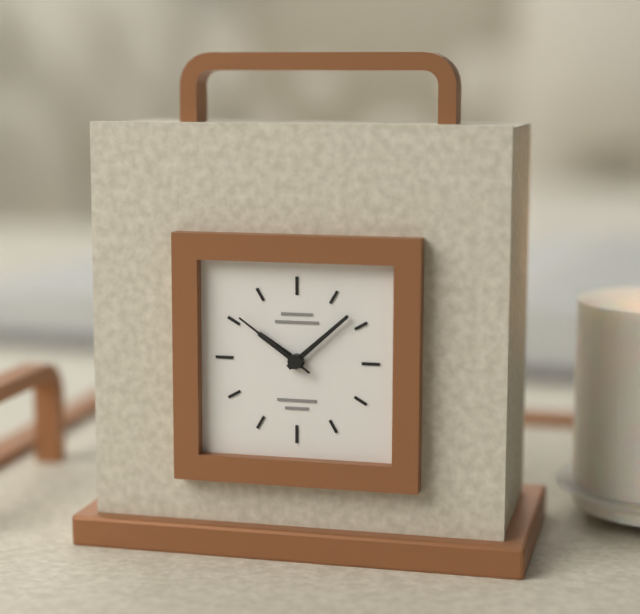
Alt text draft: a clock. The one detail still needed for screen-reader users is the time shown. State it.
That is 10:08:51
